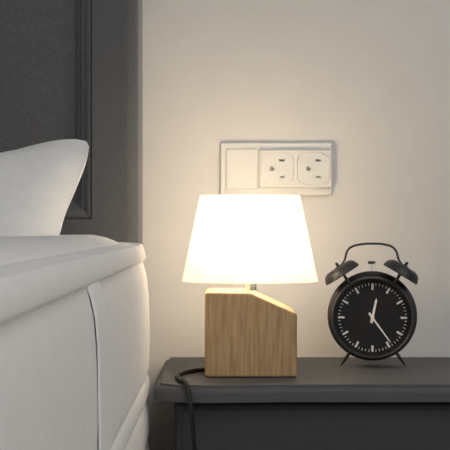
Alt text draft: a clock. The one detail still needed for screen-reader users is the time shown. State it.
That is 12:24
